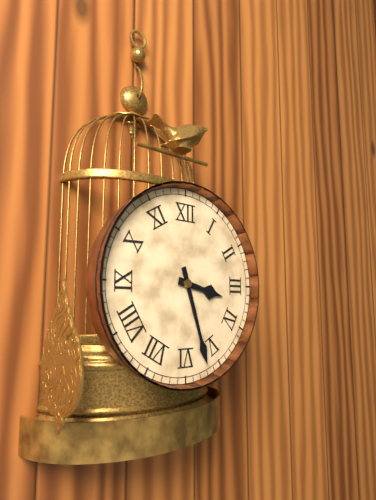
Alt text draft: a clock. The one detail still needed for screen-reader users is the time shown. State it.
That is 3:27
